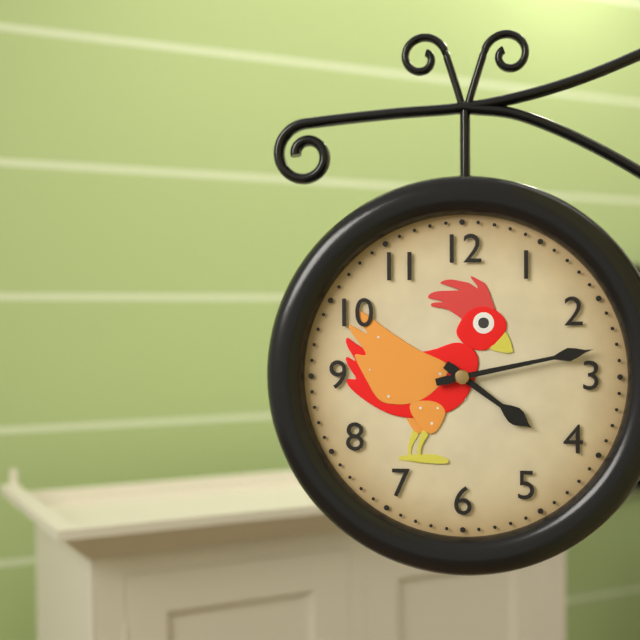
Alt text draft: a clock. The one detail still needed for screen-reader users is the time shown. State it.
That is 4:13
